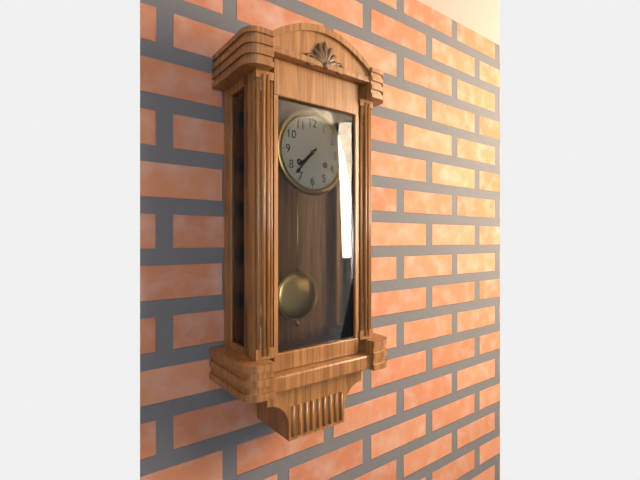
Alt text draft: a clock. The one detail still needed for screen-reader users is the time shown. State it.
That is 7:37
